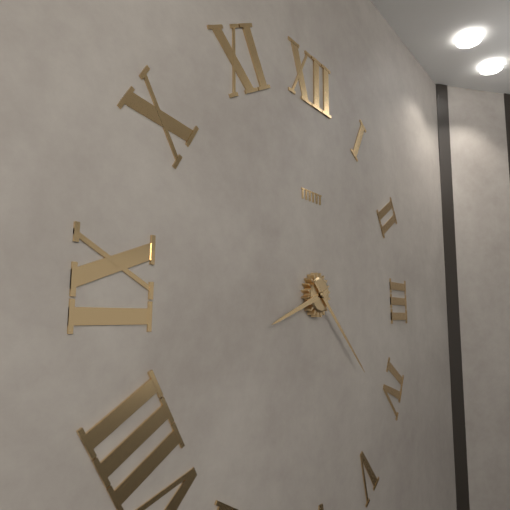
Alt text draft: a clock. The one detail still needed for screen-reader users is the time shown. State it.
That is 8:22
